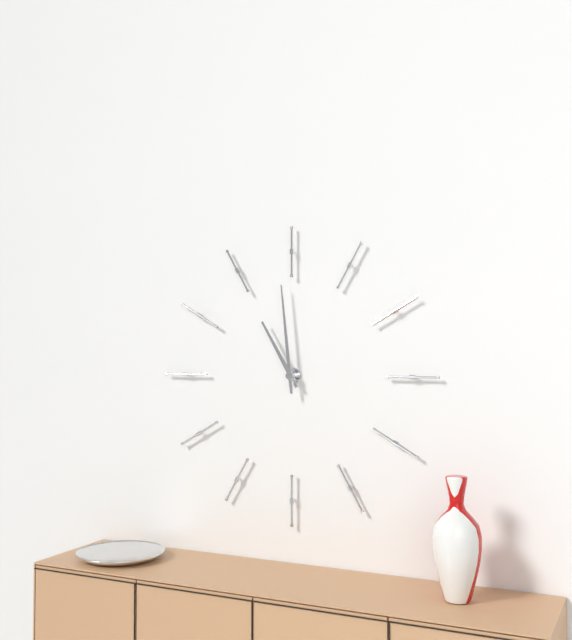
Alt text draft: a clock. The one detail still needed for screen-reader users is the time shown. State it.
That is 10:59
